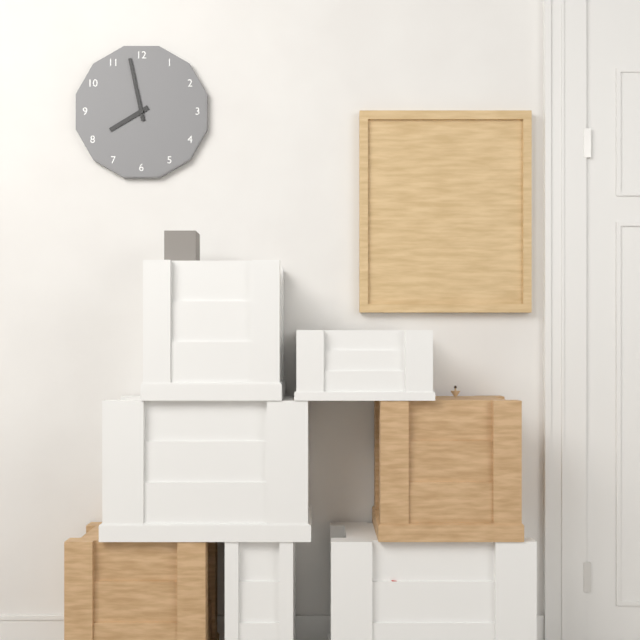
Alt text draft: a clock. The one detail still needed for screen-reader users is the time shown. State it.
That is 7:58
